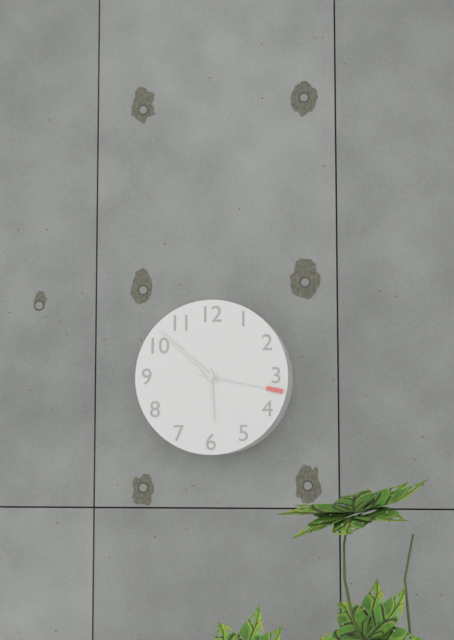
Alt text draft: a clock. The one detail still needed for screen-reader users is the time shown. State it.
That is 5:52:17
